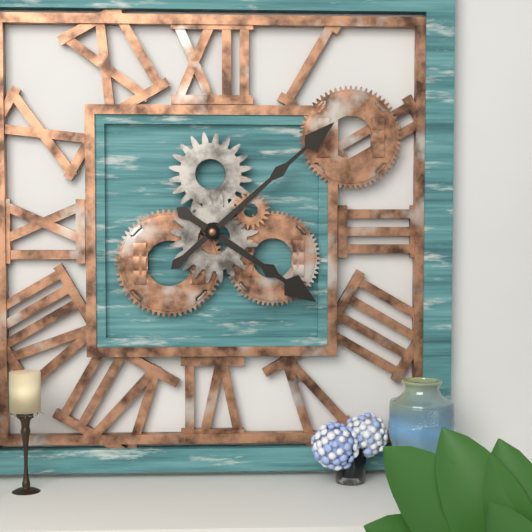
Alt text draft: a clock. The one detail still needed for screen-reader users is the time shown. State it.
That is 4:08
